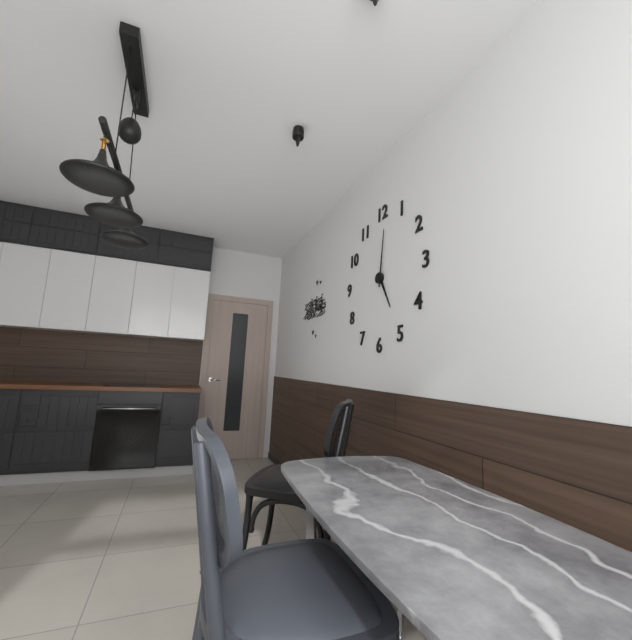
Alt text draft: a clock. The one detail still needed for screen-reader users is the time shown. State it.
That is 5:01
